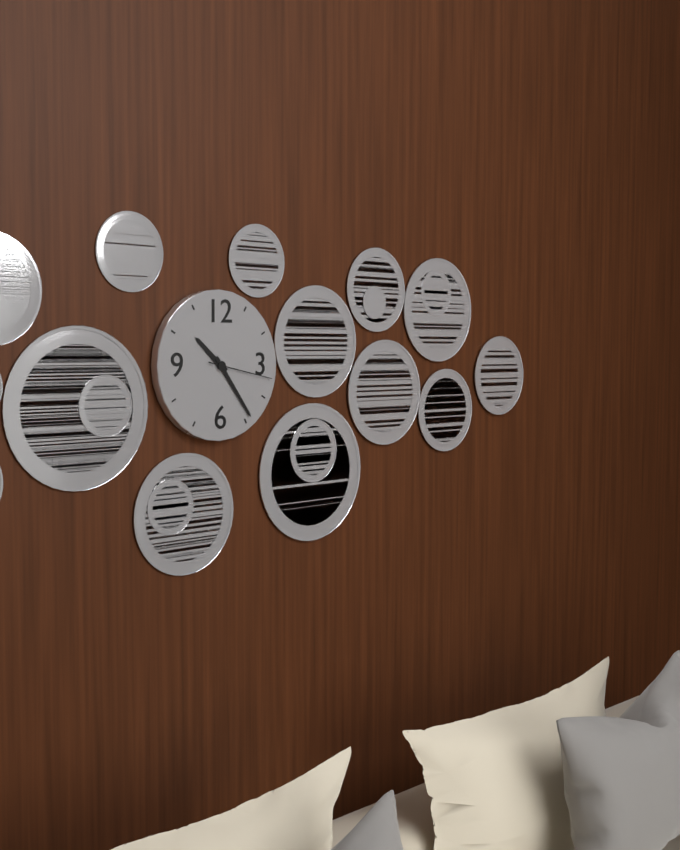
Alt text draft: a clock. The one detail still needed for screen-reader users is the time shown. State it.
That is 10:24:17
